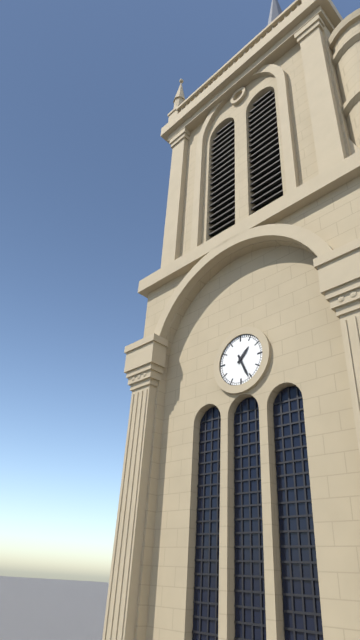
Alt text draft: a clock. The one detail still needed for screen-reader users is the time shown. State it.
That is 1:26
